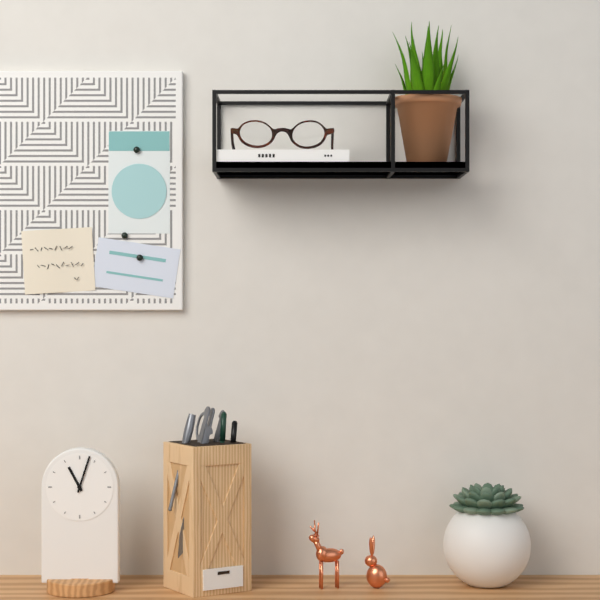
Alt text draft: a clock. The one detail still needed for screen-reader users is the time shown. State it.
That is 11:03
